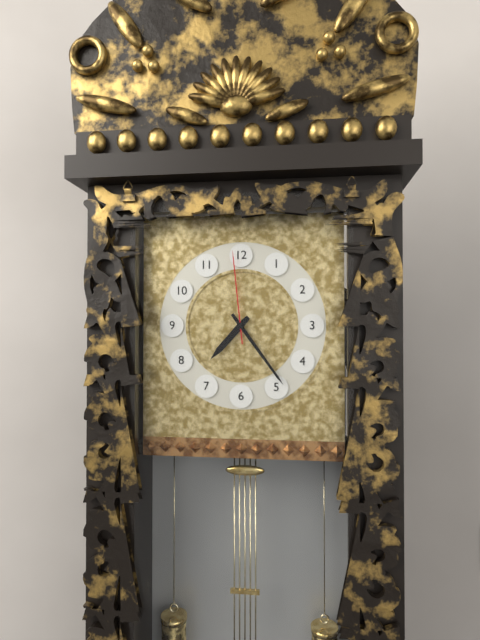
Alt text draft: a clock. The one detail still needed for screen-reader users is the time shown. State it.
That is 7:24:59
